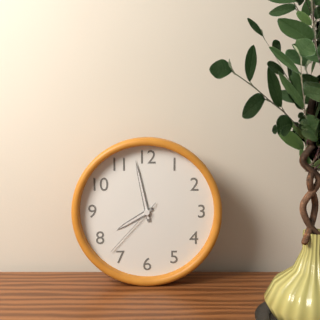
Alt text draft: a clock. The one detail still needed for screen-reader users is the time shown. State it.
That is 7:58:37
